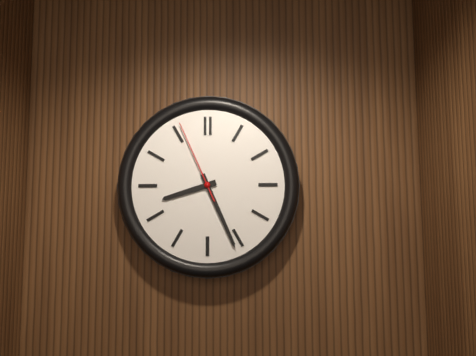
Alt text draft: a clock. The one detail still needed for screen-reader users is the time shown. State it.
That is 8:26:56
